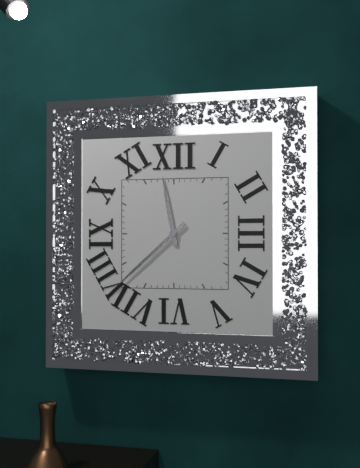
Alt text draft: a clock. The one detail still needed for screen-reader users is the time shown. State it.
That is 11:38
